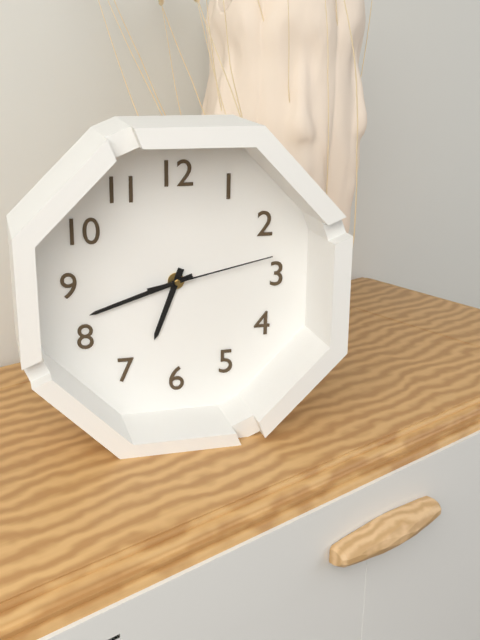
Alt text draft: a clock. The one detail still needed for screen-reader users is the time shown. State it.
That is 6:42:13
